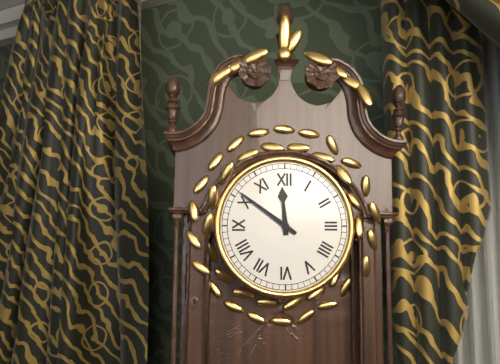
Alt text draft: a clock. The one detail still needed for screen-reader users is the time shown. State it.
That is 11:51
